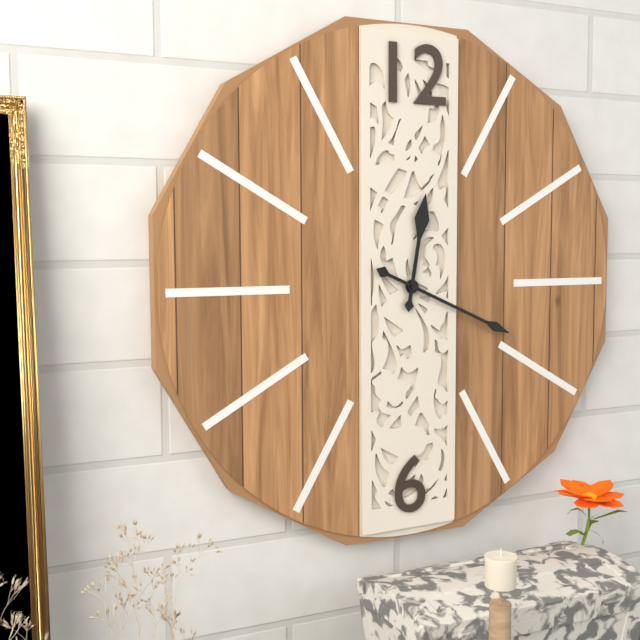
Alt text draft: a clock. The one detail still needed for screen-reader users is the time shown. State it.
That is 12:19
